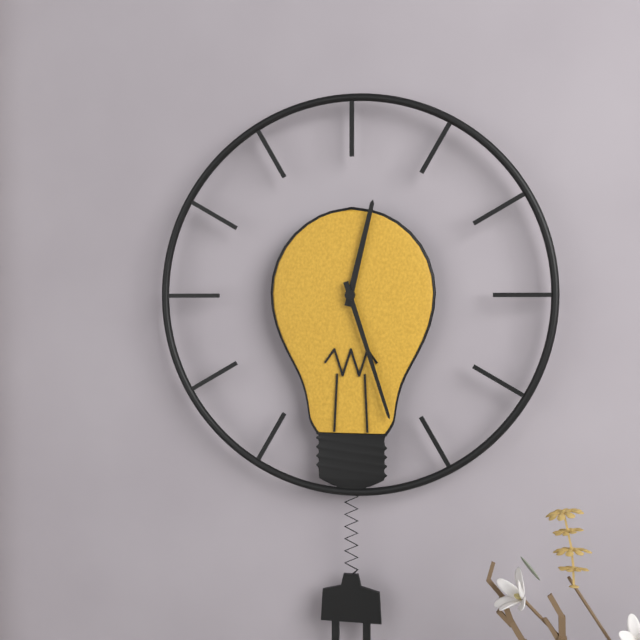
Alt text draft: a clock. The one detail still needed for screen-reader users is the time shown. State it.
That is 12:27
